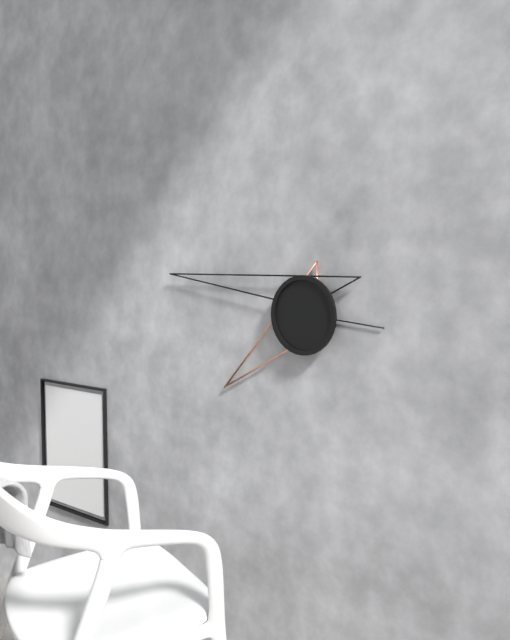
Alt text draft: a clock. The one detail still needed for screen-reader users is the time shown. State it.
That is 7:47:16
